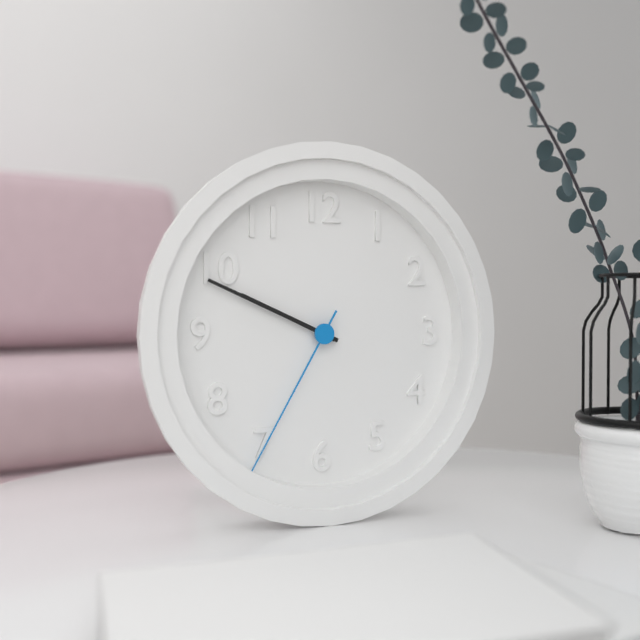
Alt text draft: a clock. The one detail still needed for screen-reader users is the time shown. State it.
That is 9:49:35
